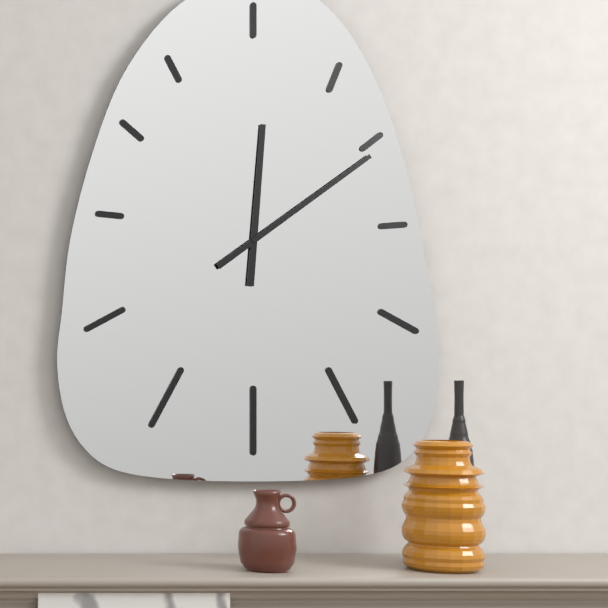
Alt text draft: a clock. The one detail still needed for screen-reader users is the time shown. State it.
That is 12:09
